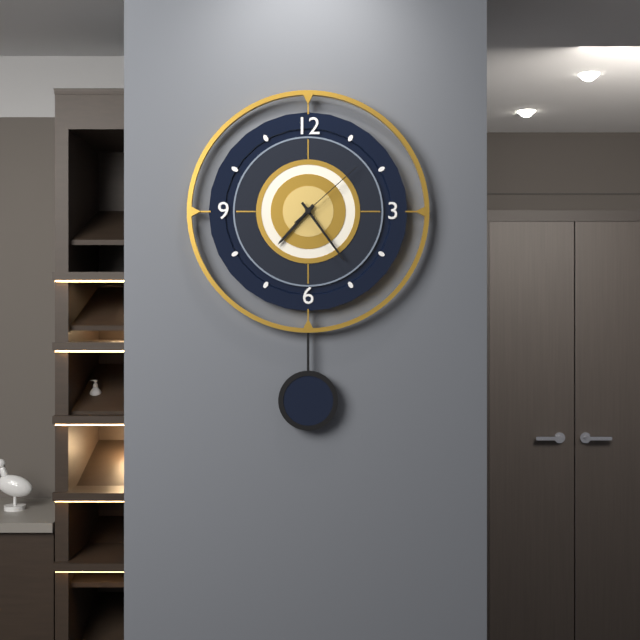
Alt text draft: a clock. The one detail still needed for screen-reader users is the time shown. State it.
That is 7:24:08
